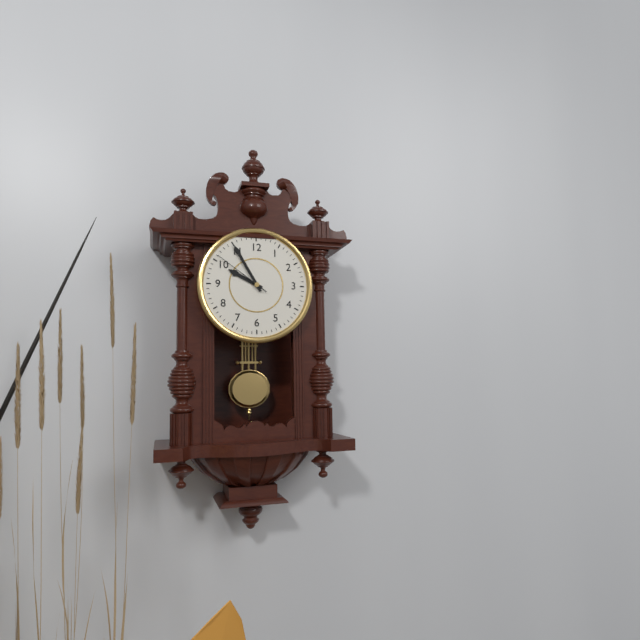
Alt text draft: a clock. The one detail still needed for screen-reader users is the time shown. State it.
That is 9:55:51
